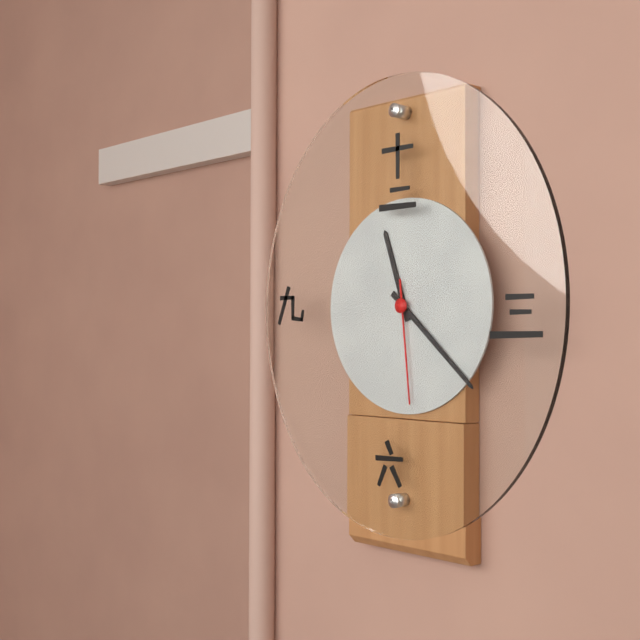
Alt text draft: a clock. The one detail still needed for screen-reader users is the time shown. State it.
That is 11:22:29
